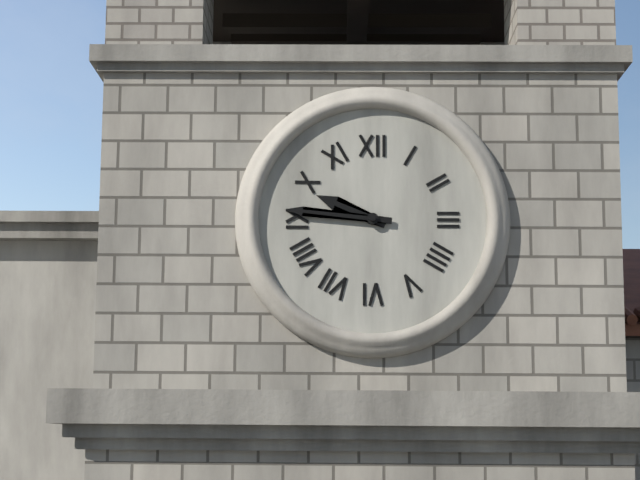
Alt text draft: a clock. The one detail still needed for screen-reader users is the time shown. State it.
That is 9:46
